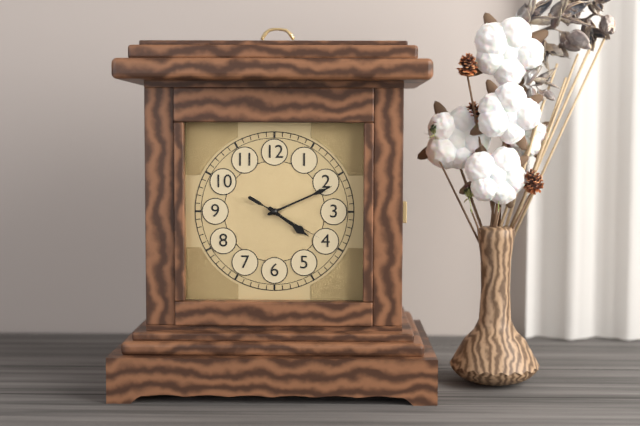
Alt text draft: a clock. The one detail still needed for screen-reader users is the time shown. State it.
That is 4:11:20
